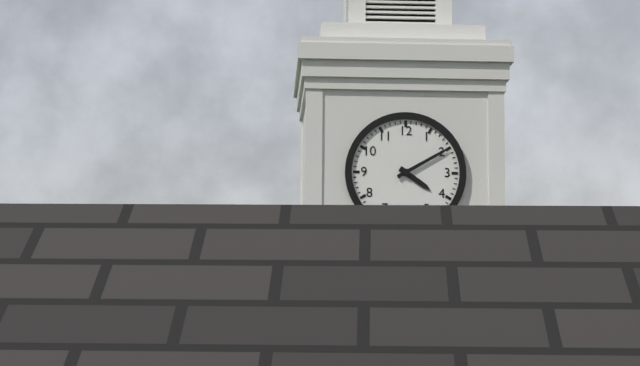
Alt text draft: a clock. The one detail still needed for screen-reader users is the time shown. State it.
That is 4:10
